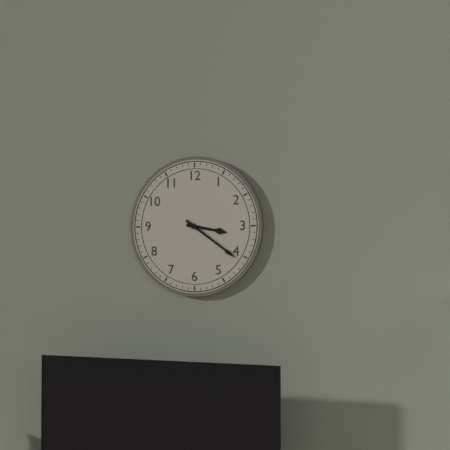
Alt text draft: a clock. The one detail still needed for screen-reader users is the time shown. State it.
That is 3:21
